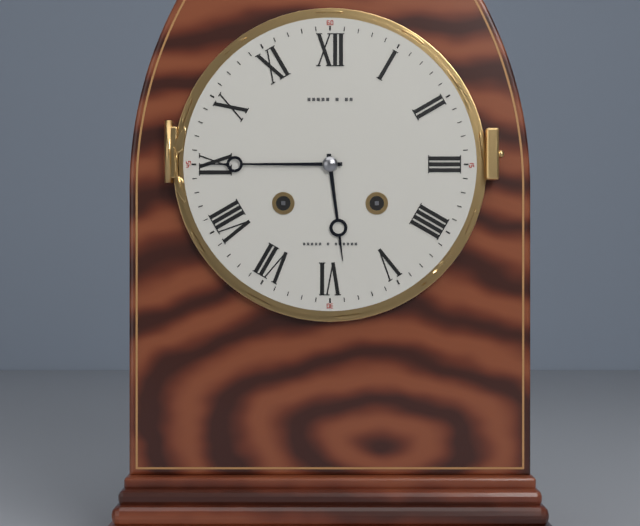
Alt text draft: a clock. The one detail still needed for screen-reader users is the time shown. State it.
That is 5:45
